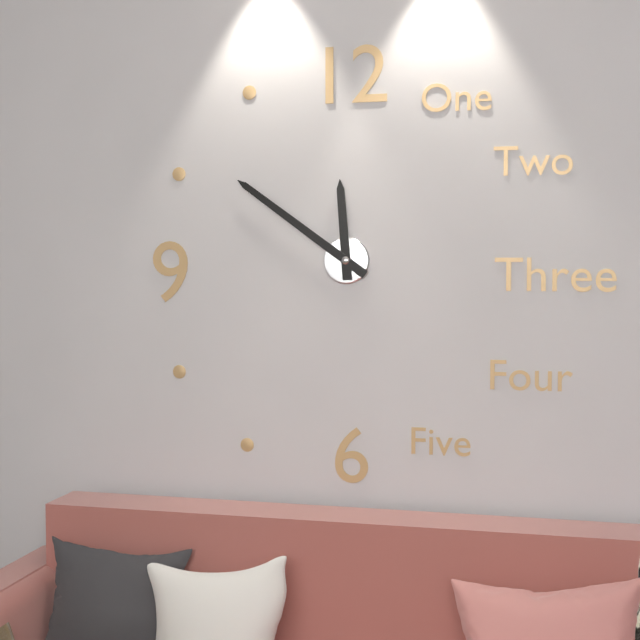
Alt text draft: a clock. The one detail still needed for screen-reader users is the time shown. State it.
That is 11:51
